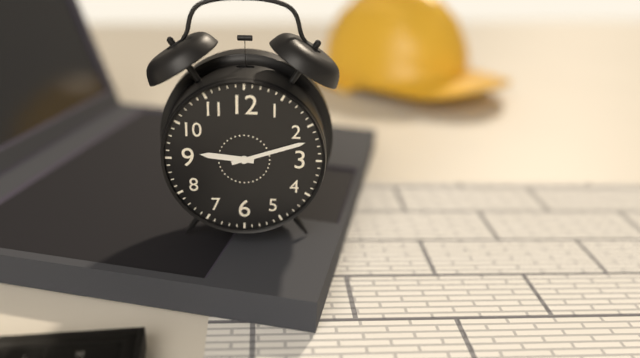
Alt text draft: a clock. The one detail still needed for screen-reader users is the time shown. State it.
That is 9:12
